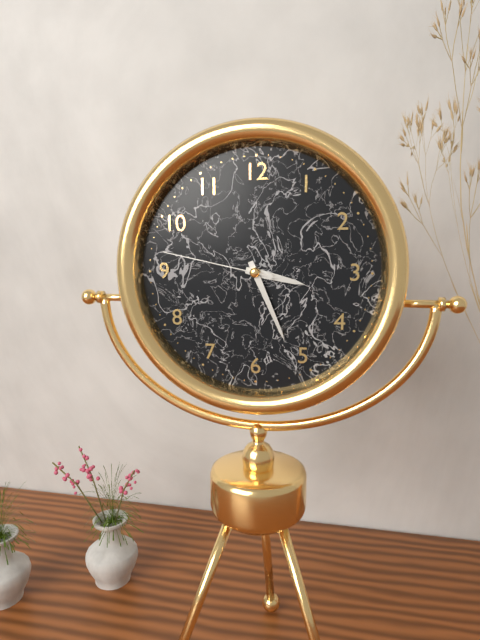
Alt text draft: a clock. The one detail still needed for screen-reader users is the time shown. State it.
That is 3:26:47
